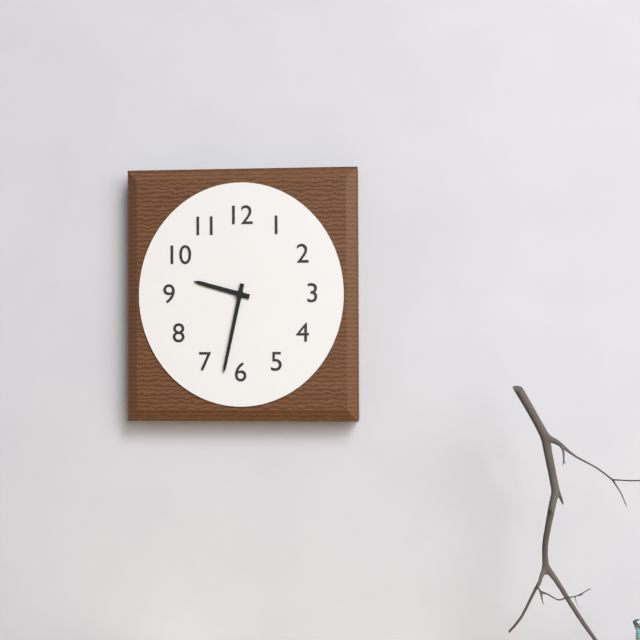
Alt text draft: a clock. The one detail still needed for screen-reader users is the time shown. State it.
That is 9:32
